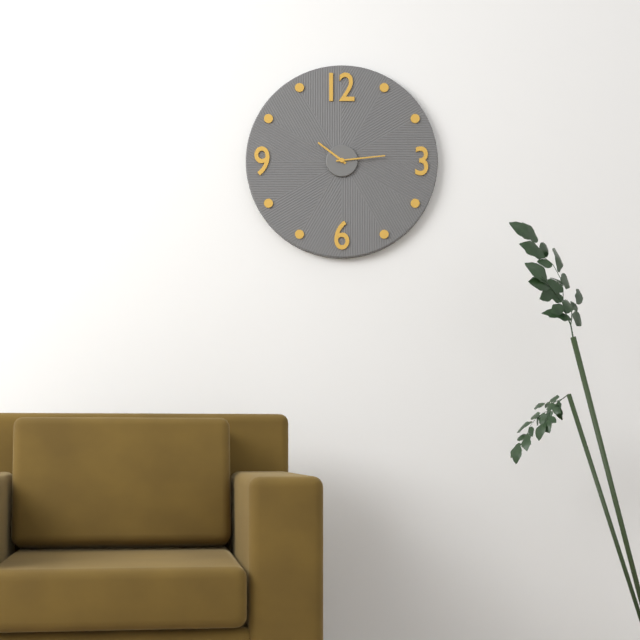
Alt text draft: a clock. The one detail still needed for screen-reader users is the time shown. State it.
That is 10:14
